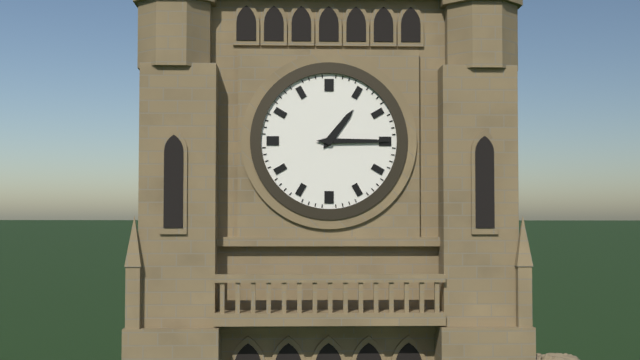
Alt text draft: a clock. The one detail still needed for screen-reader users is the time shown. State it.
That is 1:15
